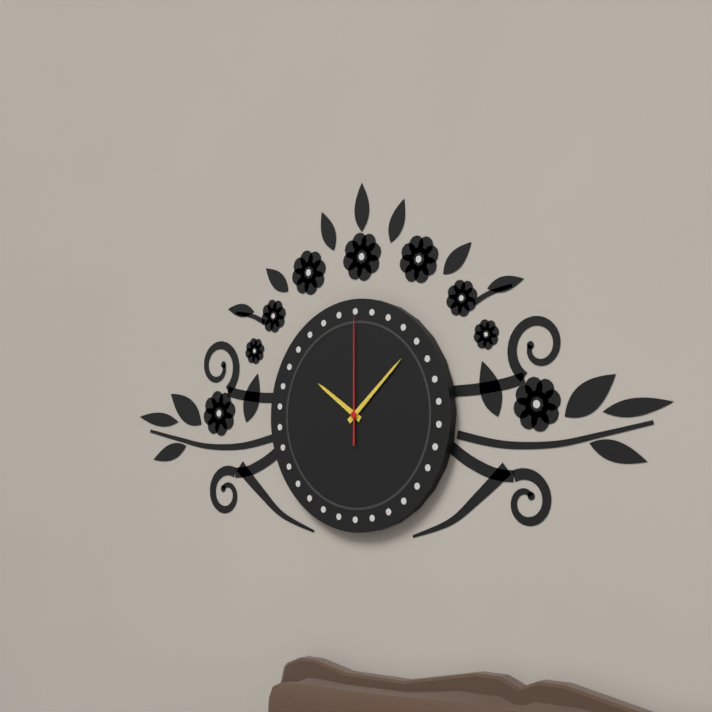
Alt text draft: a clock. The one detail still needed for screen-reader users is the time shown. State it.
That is 10:08:00
